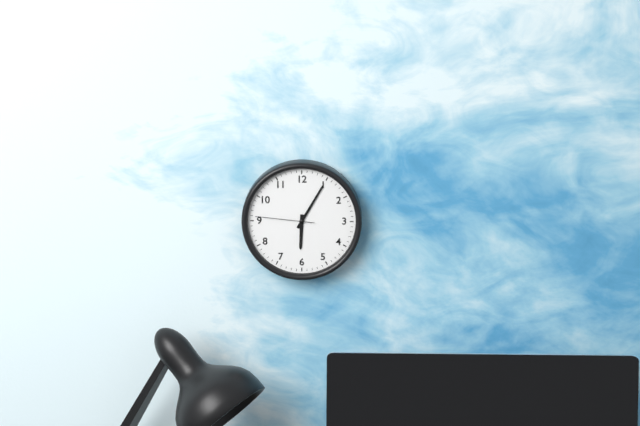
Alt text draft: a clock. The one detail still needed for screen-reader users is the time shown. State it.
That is 6:05:46
